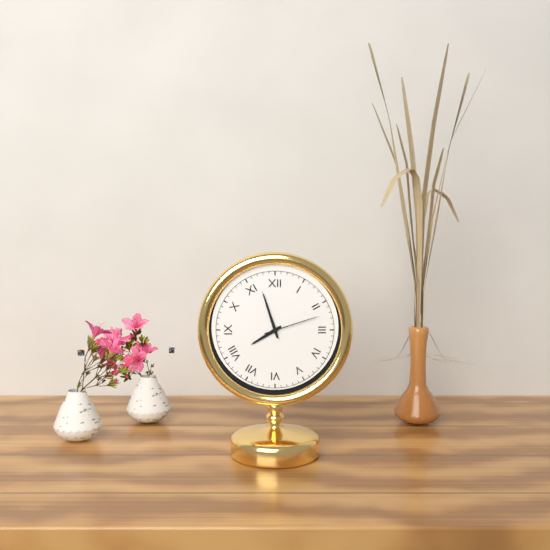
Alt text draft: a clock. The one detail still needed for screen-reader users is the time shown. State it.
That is 7:57:12
